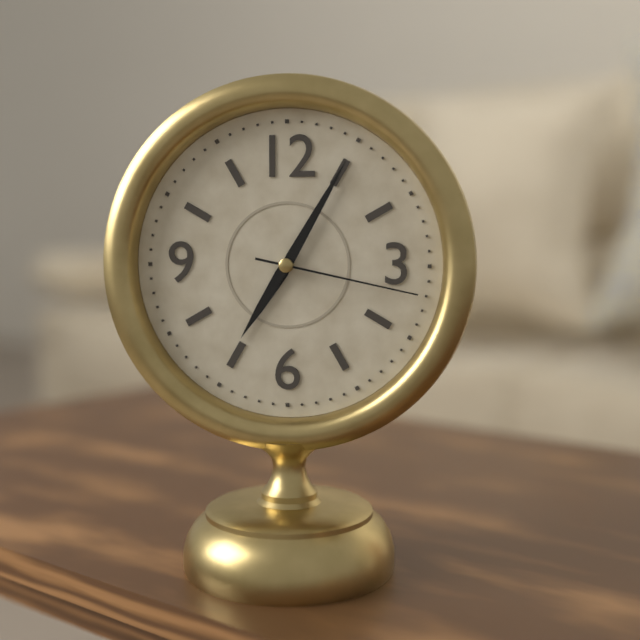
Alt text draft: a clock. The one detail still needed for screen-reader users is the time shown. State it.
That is 7:05:17
